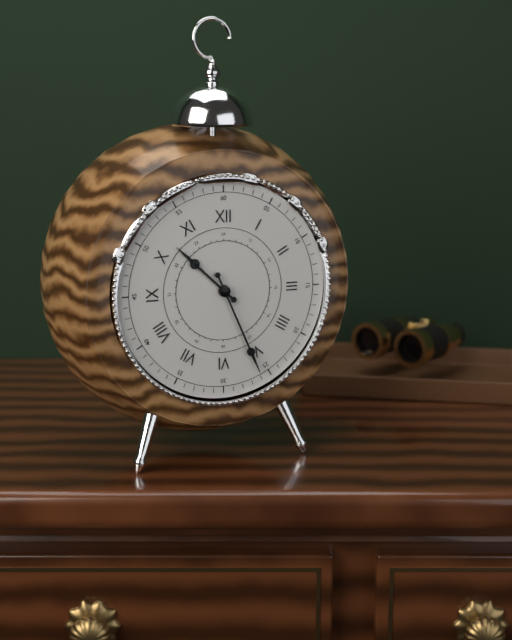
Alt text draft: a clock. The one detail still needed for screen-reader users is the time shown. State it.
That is 10:26
